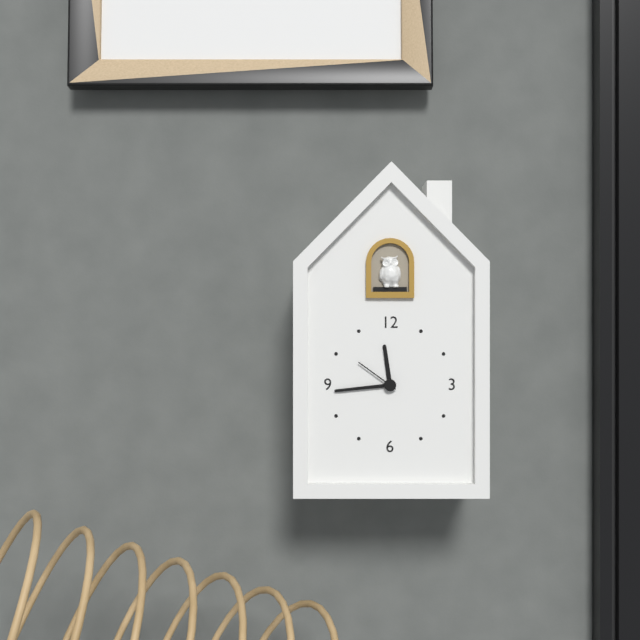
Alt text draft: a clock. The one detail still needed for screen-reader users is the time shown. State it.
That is 11:44
